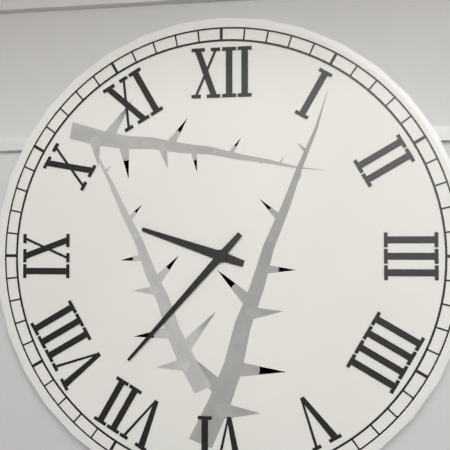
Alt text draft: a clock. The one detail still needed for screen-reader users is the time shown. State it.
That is 9:37
